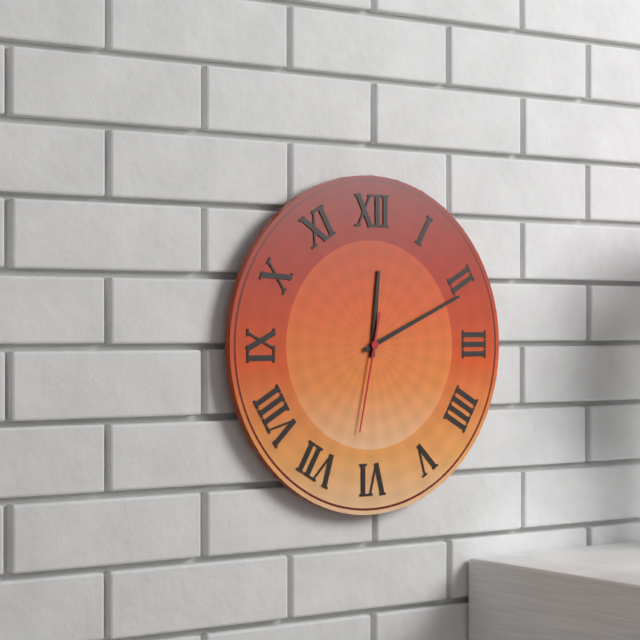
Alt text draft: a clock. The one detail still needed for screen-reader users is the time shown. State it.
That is 12:11:32
